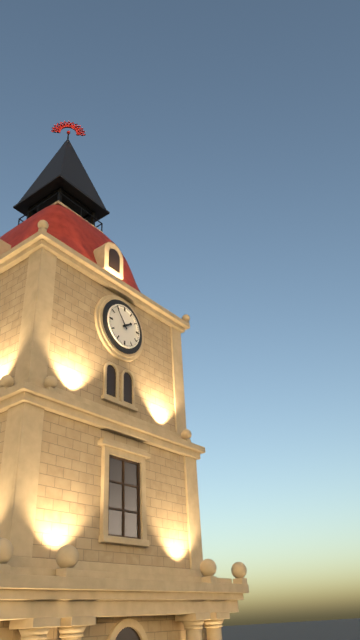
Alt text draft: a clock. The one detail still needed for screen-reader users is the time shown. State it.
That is 1:54
